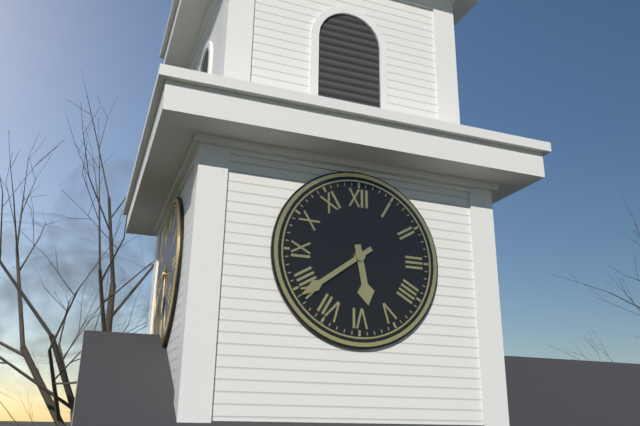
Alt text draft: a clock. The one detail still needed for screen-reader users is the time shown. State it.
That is 5:39
